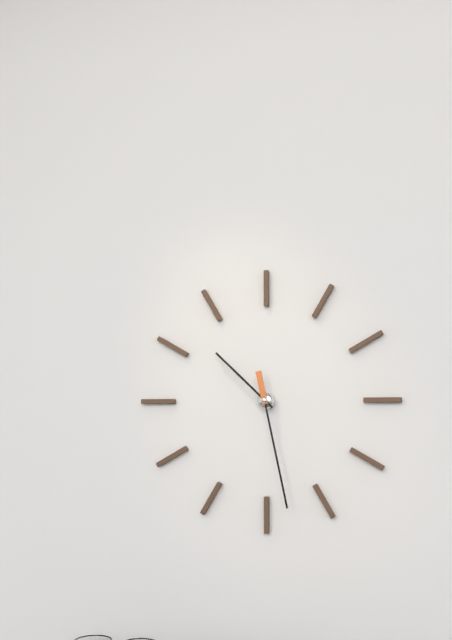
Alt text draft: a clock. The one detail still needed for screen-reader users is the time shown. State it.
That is 10:28
